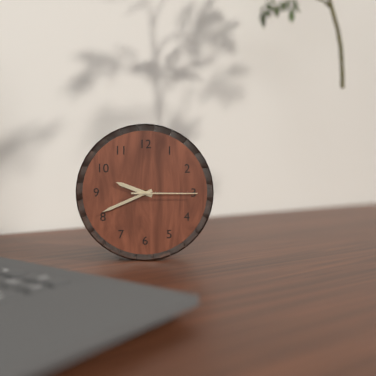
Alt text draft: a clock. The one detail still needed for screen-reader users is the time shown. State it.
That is 9:41:15
